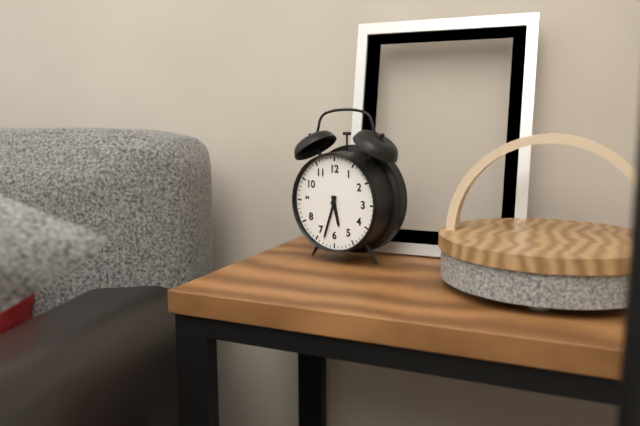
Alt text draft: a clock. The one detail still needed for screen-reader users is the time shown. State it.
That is 5:33
